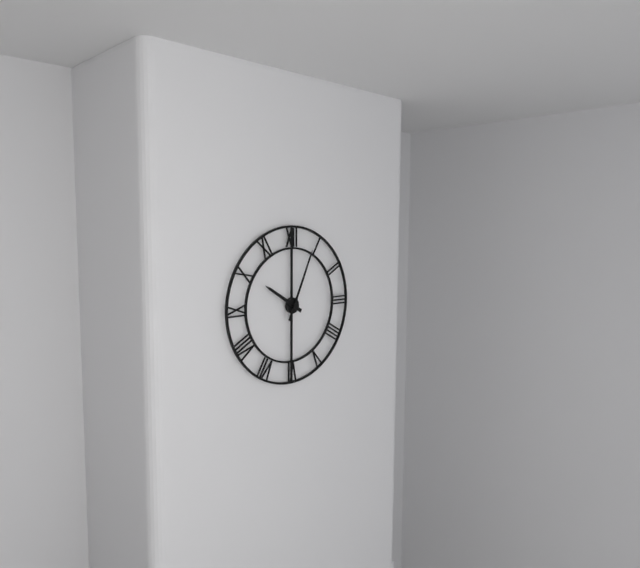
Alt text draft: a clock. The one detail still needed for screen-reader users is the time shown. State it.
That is 10:04
